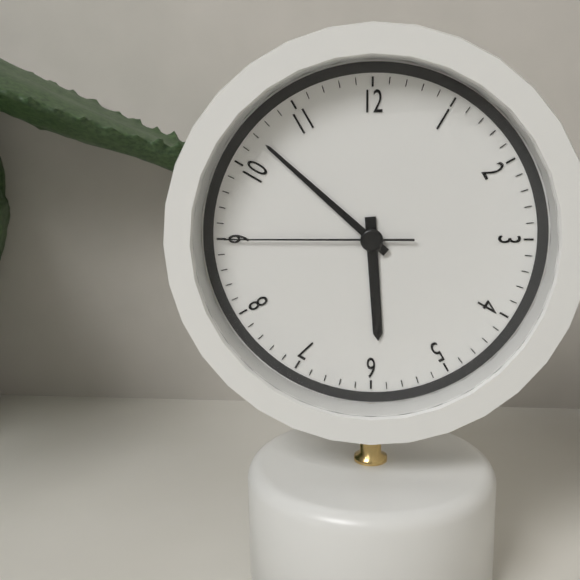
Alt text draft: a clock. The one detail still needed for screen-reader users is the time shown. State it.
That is 5:52:45
